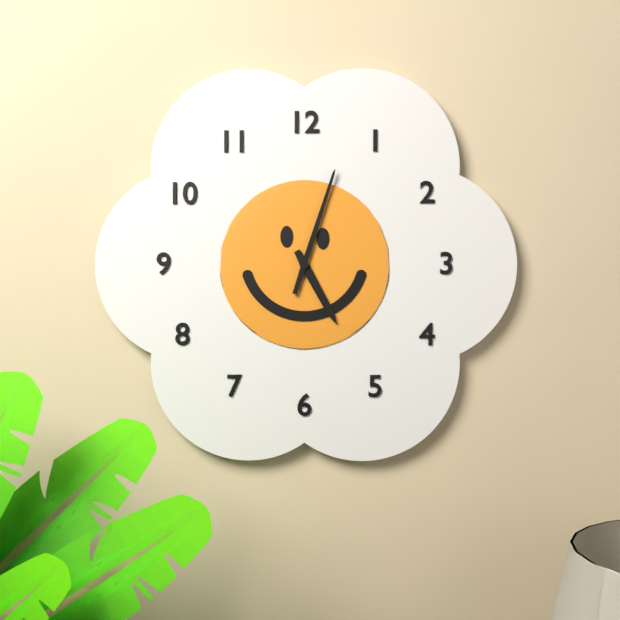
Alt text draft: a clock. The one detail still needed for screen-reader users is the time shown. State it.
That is 5:03
